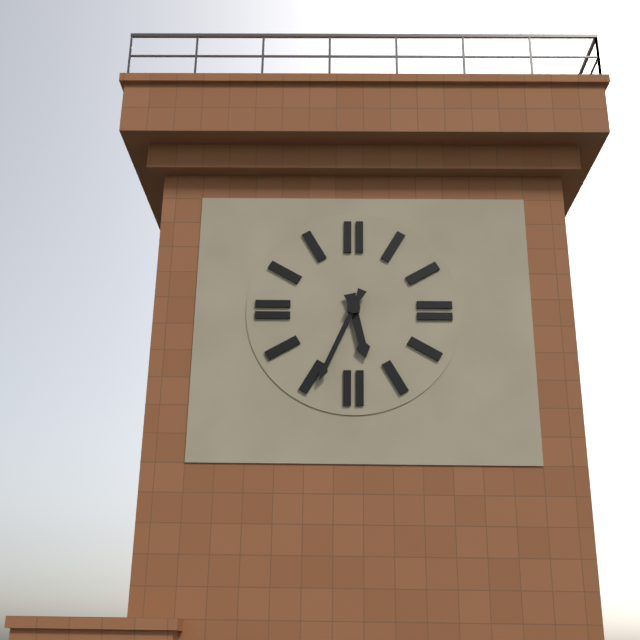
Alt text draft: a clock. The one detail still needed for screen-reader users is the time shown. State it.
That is 5:34
